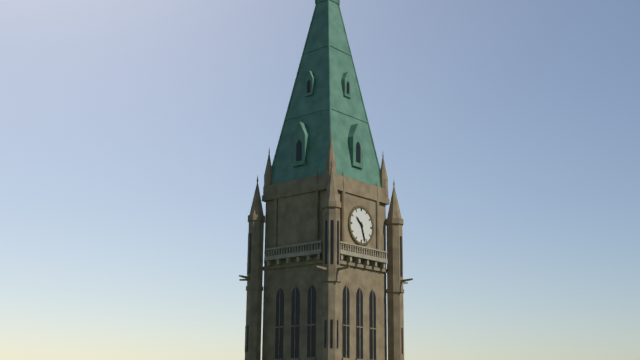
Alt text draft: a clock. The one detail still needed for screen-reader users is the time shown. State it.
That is 10:27
